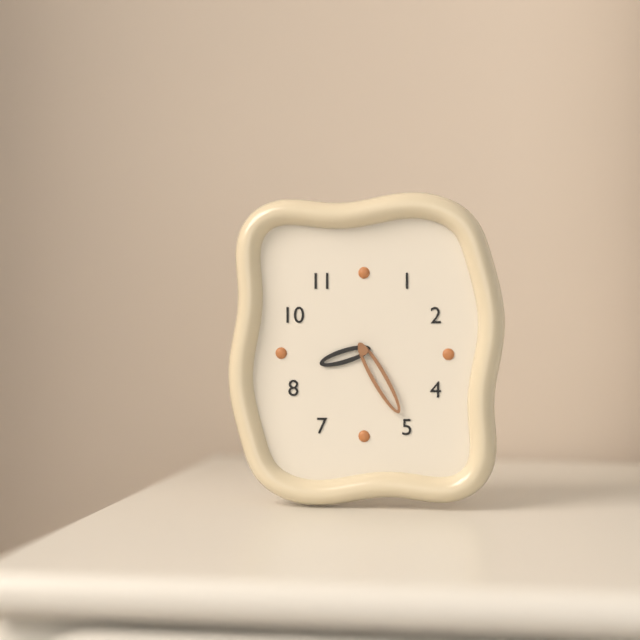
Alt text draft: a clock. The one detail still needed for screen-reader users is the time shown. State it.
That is 8:25
